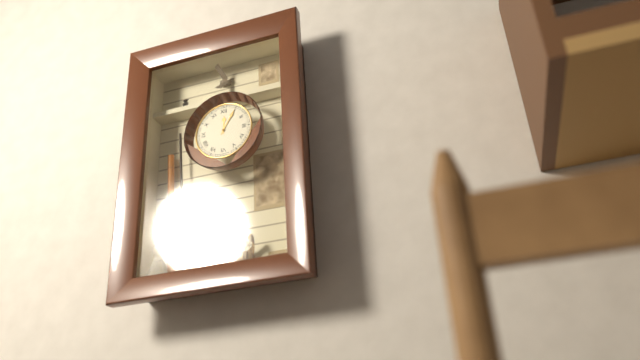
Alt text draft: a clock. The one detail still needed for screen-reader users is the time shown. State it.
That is 12:05
